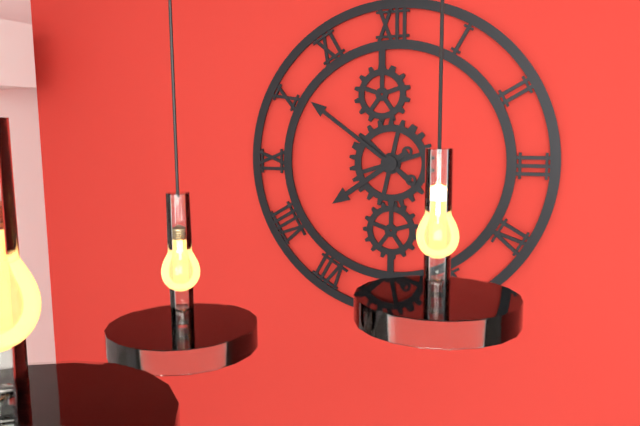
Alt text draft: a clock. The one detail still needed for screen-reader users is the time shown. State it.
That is 7:51
